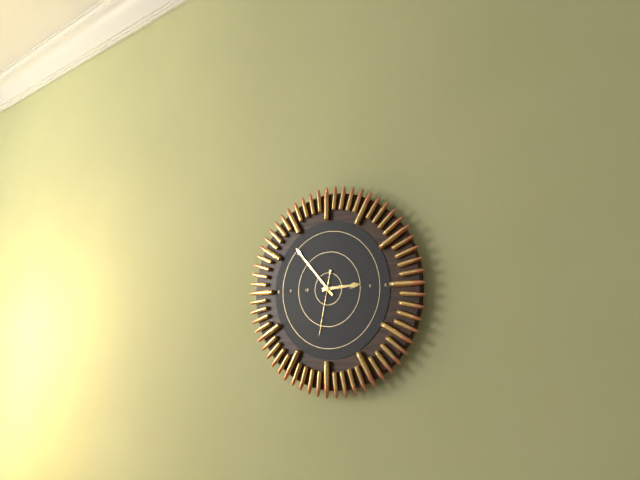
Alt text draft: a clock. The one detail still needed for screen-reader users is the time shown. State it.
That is 2:53:32
